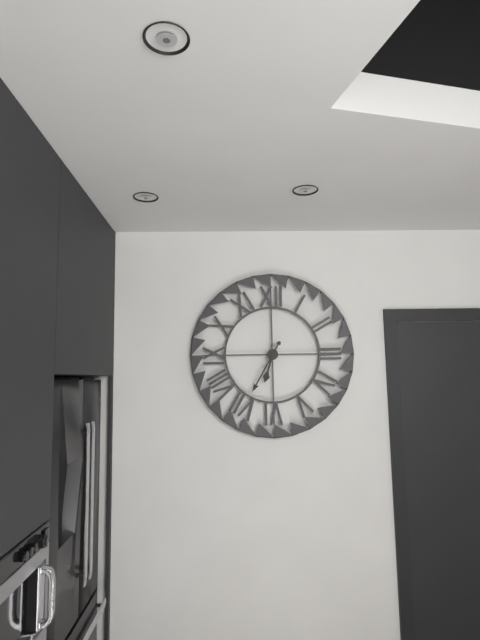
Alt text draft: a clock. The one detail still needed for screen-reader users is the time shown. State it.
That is 6:35
